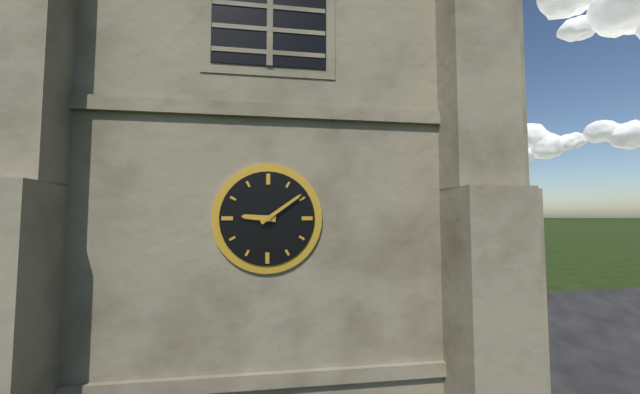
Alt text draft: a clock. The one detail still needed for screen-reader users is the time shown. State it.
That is 9:09
